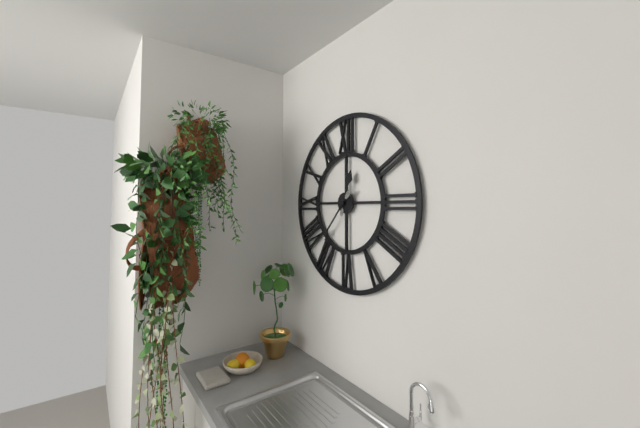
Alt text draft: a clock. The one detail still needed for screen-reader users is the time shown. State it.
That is 12:37
